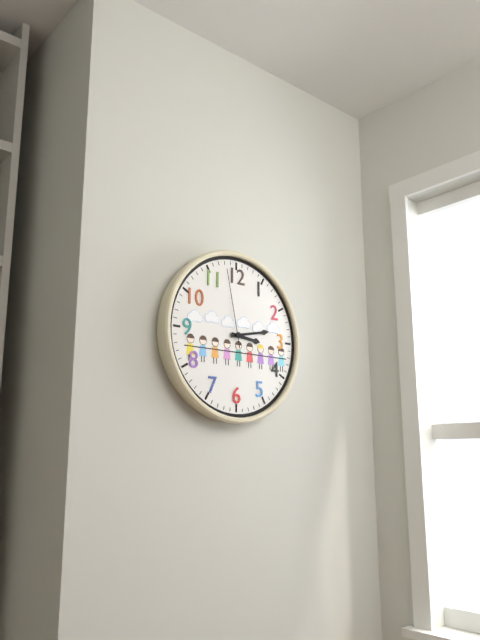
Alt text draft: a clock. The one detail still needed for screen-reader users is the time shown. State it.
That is 3:13:58
